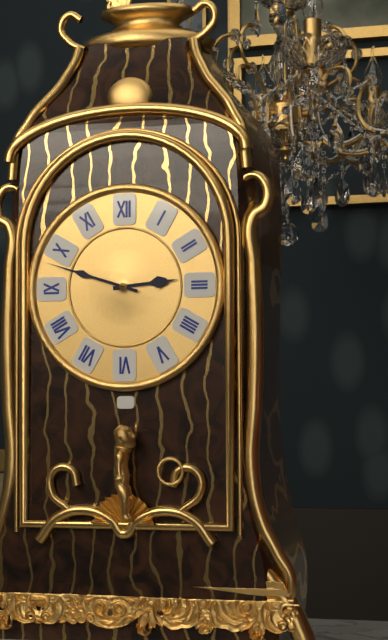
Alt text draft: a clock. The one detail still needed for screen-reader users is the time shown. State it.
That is 2:48
